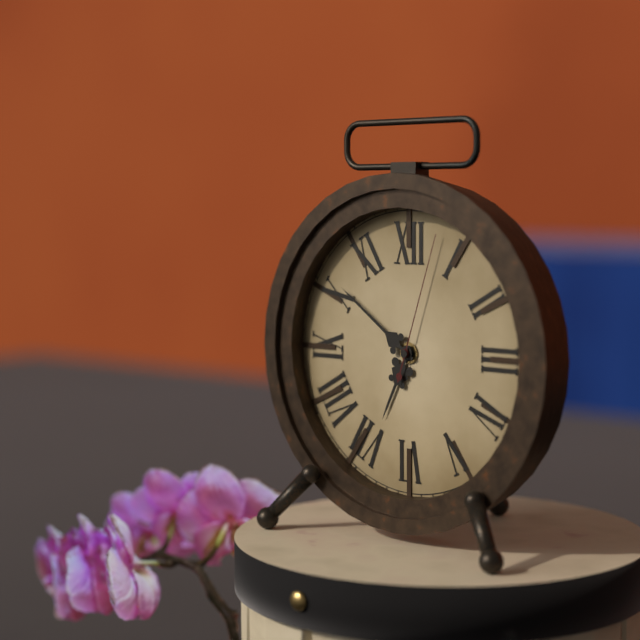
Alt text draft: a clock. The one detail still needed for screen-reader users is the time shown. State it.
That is 6:51:03
